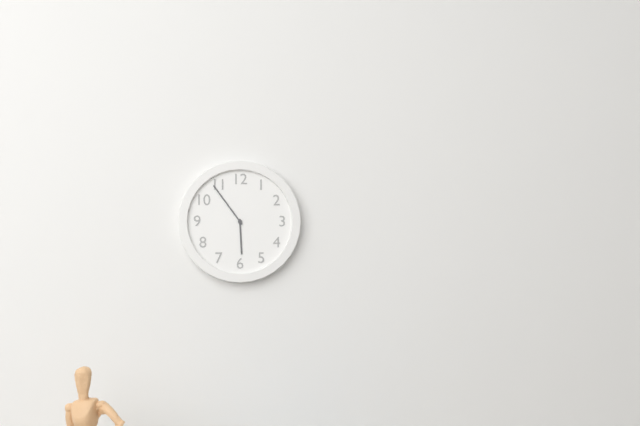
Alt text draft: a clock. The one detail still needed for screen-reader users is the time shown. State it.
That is 5:54
